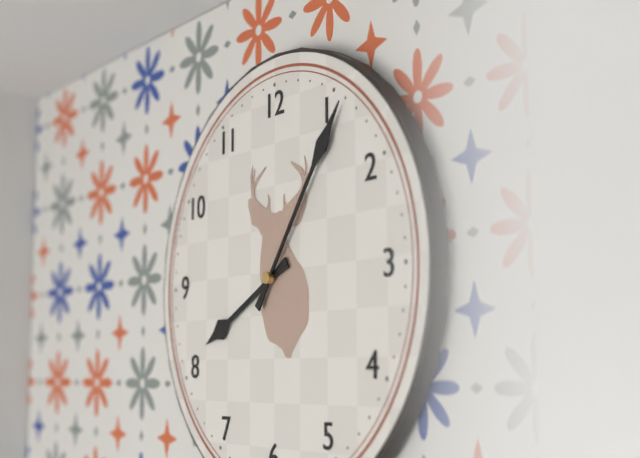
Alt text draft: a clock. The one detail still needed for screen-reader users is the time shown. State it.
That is 8:06
